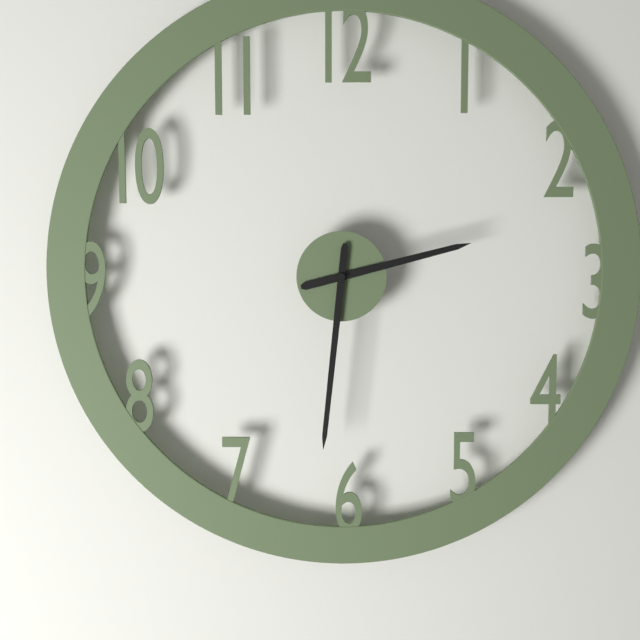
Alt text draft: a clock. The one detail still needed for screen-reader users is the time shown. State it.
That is 2:31
